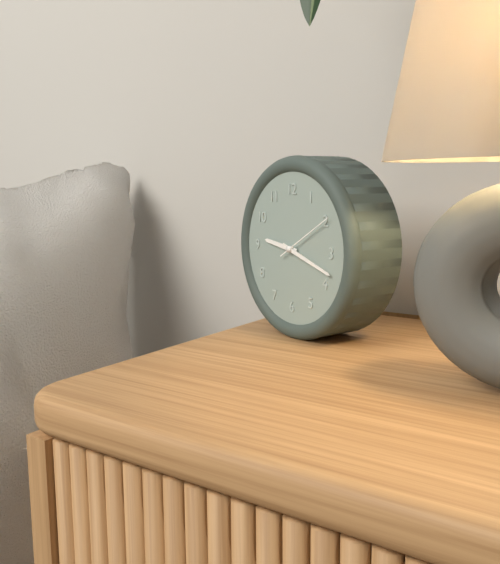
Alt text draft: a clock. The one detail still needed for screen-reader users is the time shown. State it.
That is 9:18
